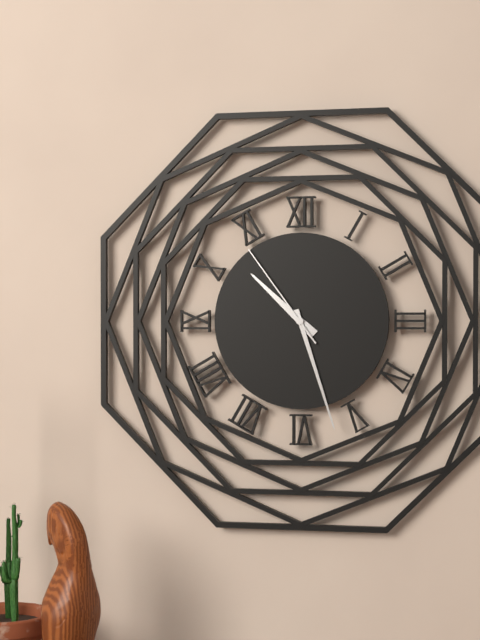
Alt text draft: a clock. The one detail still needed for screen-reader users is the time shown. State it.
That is 10:27:54
